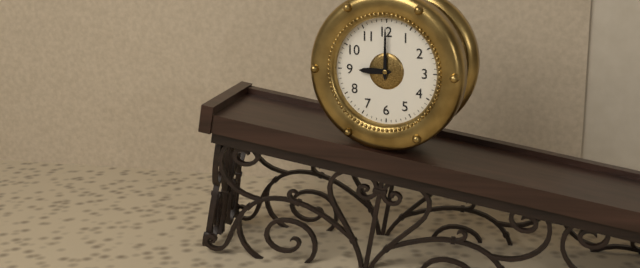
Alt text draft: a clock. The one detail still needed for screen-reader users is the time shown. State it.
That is 9:00
